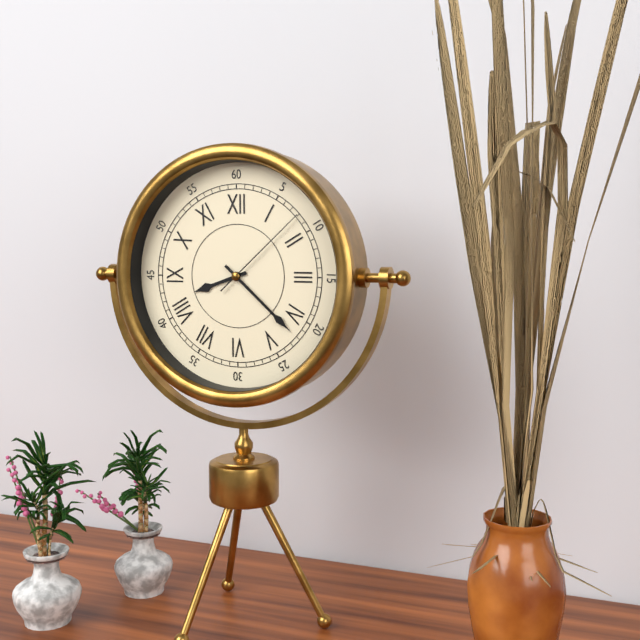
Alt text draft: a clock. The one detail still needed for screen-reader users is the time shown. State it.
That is 8:22:08
